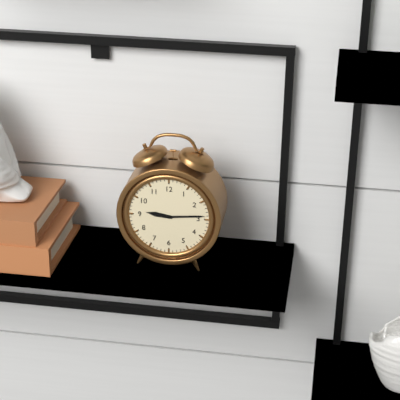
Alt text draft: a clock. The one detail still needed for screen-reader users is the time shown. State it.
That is 9:14
